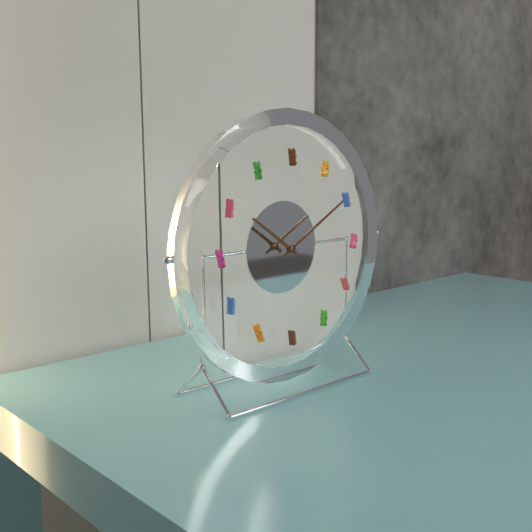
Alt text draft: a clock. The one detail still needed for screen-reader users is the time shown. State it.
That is 10:10
